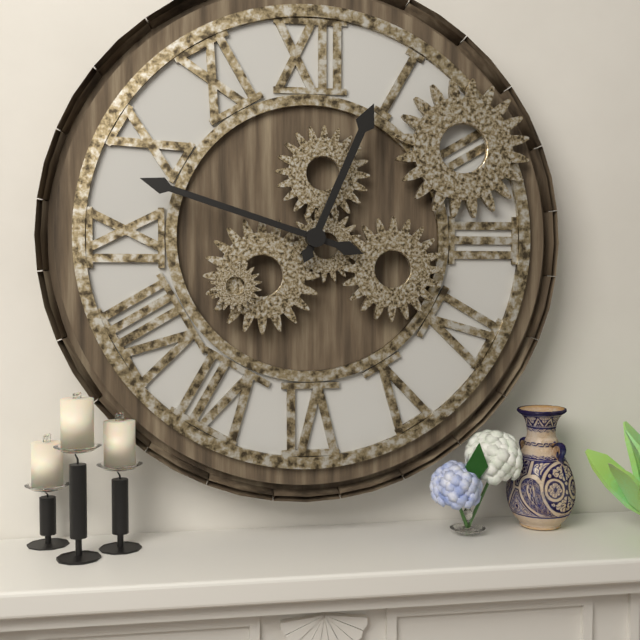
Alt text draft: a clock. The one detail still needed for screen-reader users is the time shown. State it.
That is 12:48
